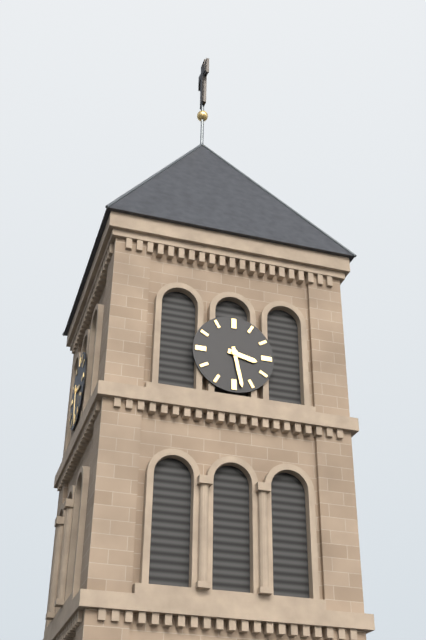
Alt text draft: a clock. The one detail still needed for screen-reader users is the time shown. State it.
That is 3:28
